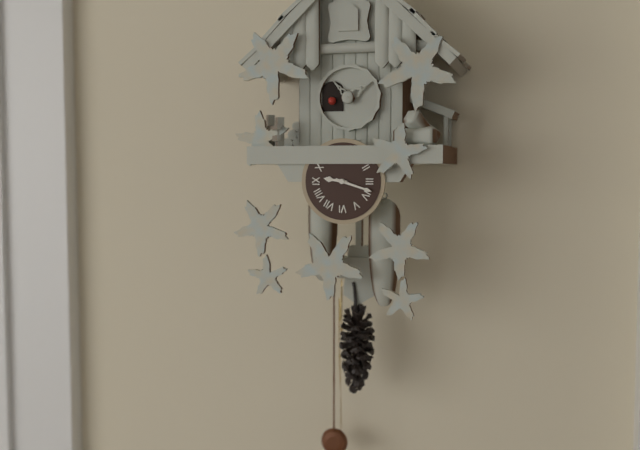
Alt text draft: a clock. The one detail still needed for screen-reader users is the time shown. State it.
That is 9:18
